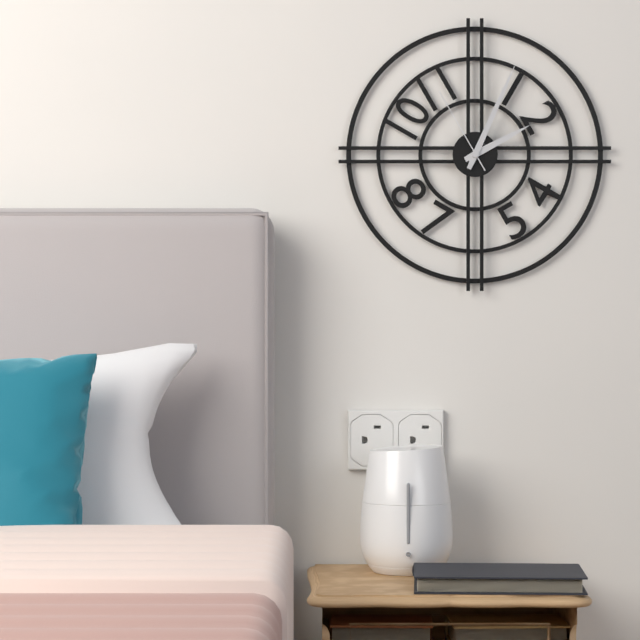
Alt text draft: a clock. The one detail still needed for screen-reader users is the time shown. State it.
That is 2:04:55
